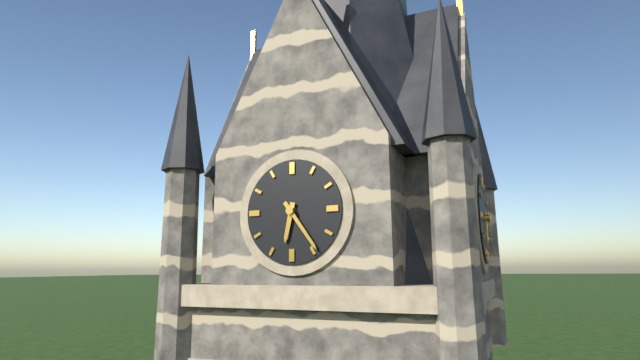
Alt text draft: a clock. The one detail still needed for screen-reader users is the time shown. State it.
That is 6:24
